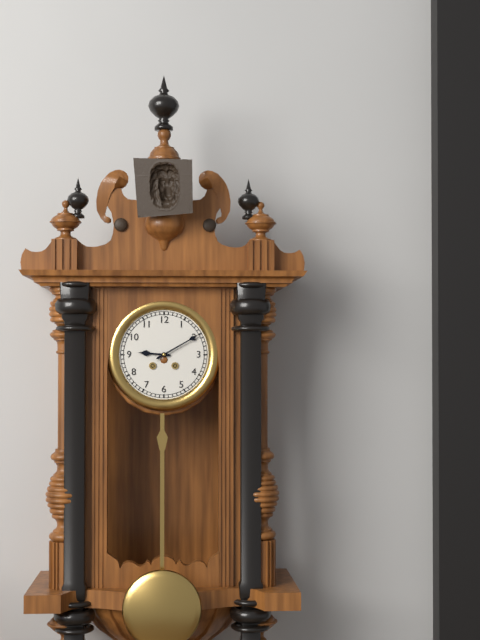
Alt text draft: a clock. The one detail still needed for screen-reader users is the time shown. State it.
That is 9:10
